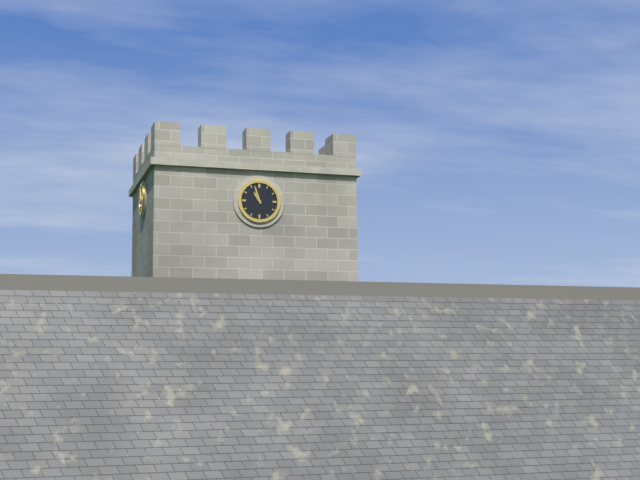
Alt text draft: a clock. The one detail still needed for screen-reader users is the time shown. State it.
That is 10:57
